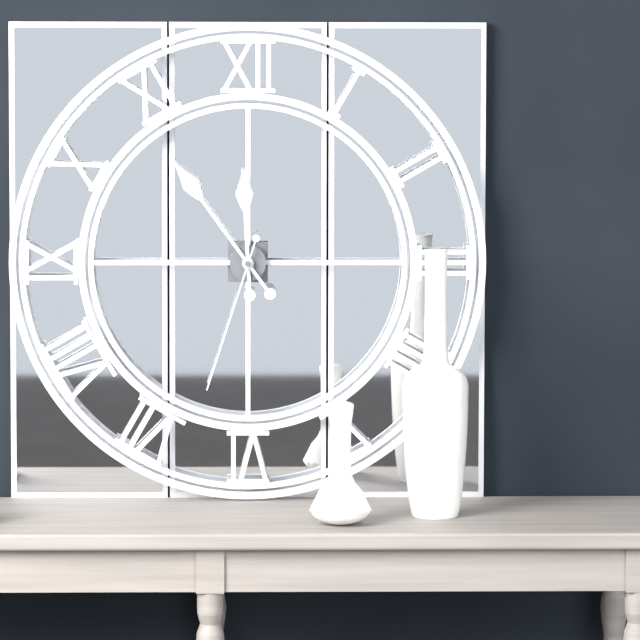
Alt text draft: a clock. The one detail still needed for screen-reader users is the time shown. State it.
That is 11:54:33
